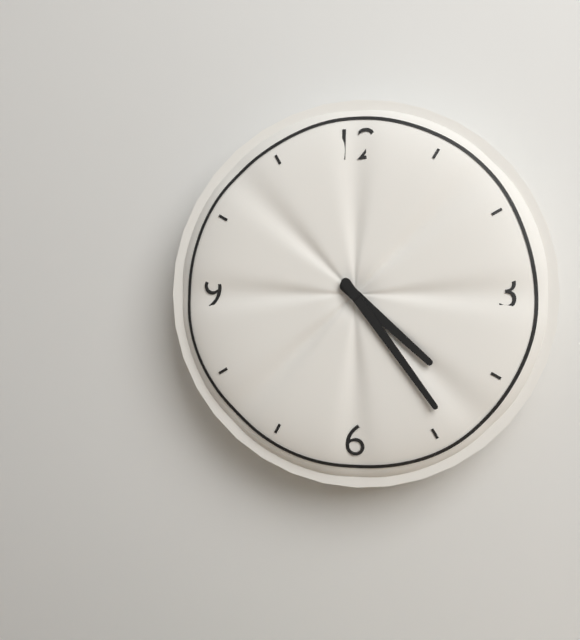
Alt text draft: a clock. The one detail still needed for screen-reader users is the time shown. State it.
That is 4:24
